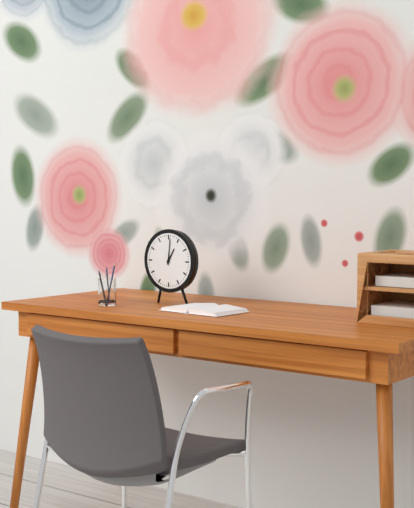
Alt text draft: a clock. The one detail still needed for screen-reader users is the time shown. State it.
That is 1:01
